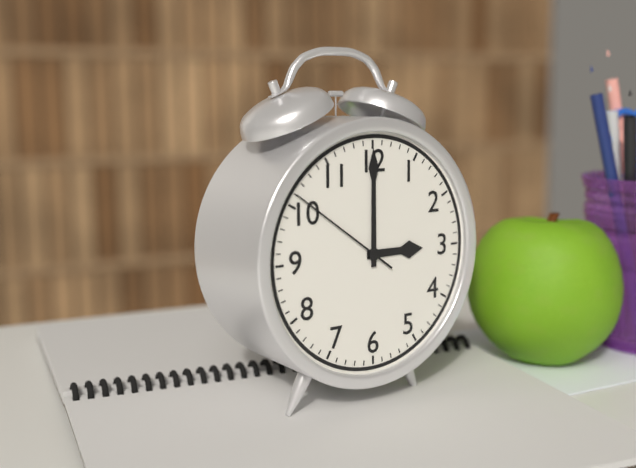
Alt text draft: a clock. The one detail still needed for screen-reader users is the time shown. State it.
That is 3:00:51
